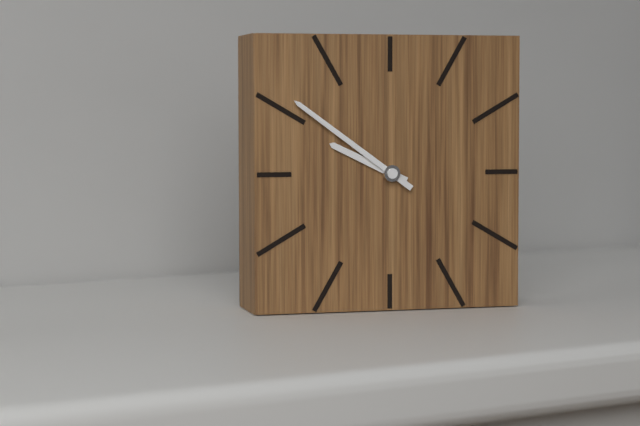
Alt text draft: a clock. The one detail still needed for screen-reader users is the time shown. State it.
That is 9:51
